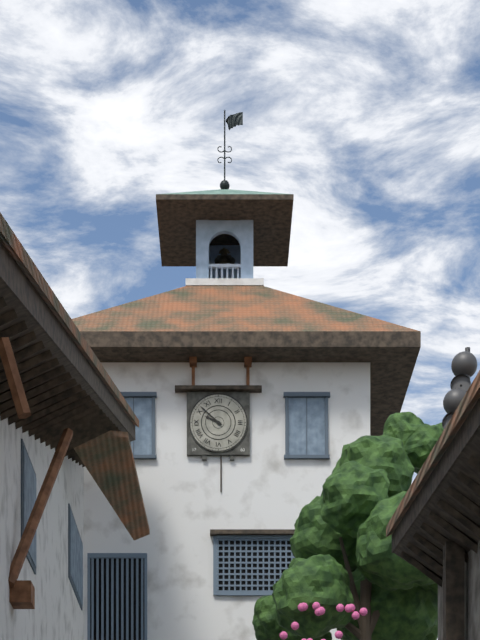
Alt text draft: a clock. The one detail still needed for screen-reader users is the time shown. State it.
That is 9:52
